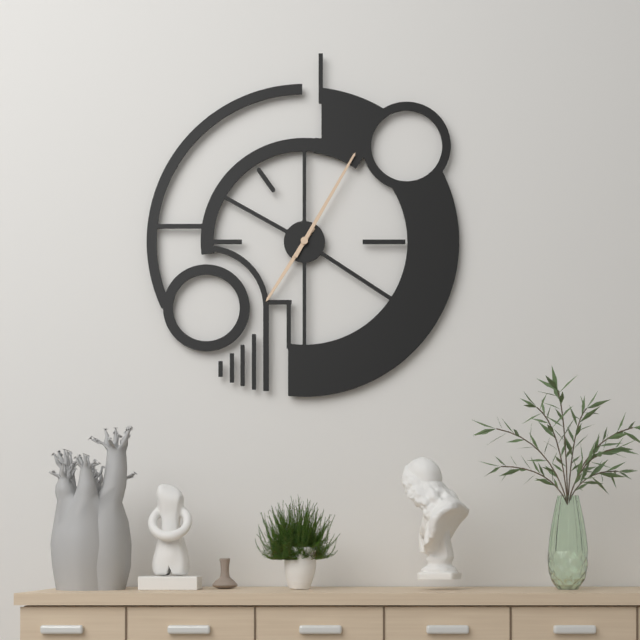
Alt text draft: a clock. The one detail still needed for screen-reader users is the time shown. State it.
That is 7:05
